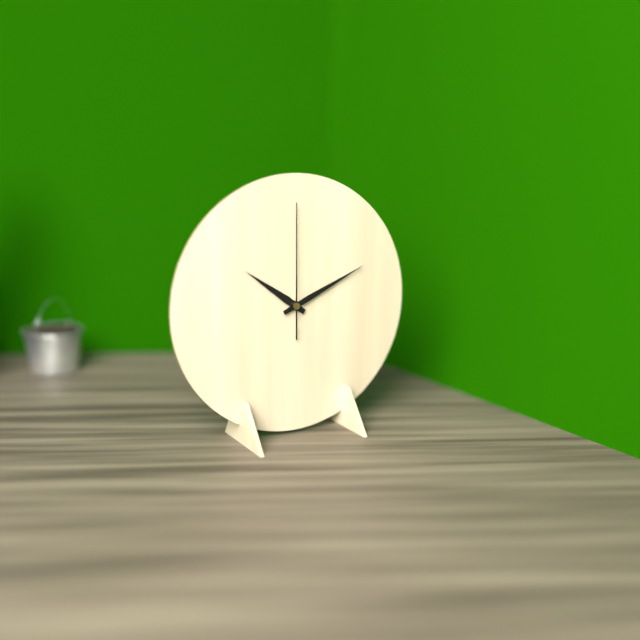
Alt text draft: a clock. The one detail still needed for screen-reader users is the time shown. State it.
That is 10:11:00
